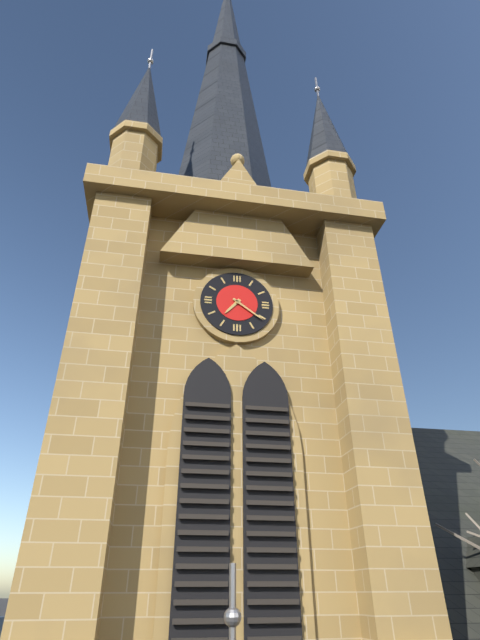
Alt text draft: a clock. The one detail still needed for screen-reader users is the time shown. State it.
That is 7:21
